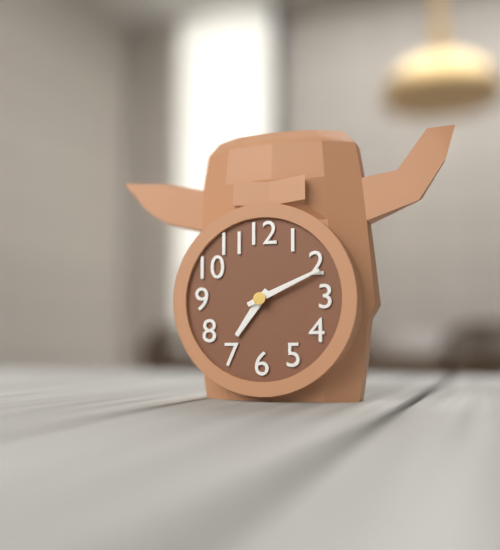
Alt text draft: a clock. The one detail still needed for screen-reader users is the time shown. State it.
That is 7:11
